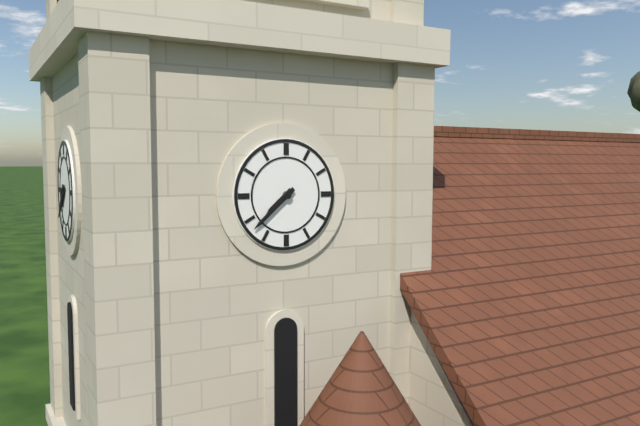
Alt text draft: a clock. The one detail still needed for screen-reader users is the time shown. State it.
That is 7:38
